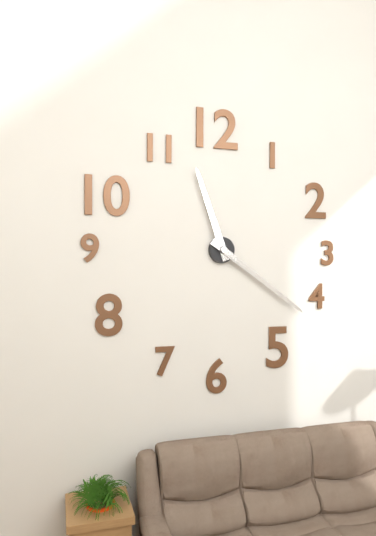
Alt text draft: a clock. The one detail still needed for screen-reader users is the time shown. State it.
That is 11:21
